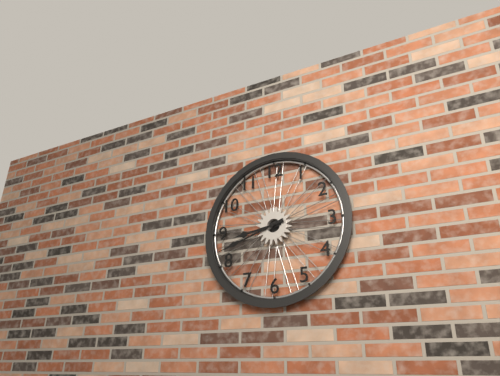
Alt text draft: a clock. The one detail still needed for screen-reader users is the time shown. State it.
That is 8:42
